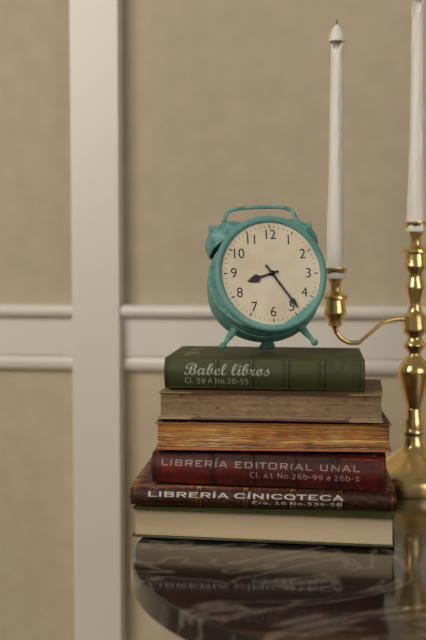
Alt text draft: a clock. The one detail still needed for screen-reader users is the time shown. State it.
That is 8:24
